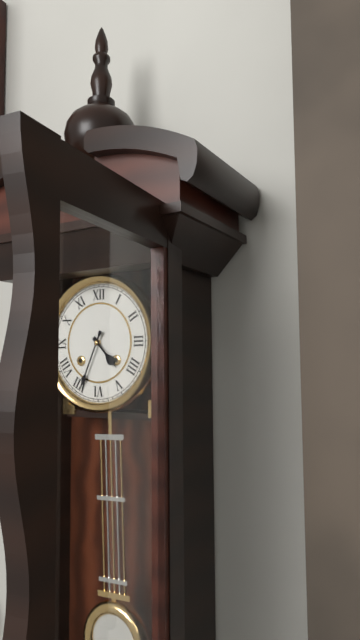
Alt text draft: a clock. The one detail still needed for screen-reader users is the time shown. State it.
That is 4:34
